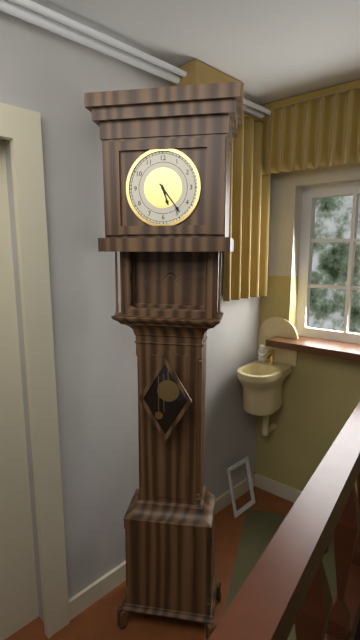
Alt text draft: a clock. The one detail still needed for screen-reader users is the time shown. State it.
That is 5:24
